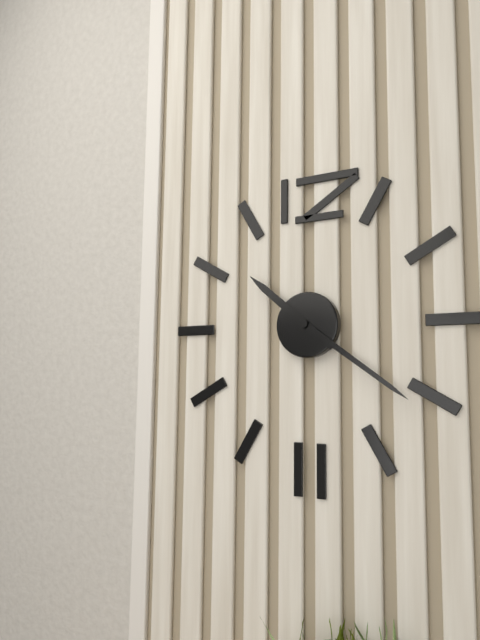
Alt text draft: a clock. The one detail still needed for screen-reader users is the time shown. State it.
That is 10:21
